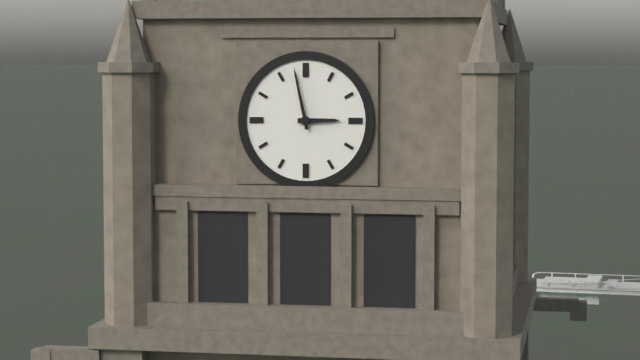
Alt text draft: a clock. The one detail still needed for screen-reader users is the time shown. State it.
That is 2:58
